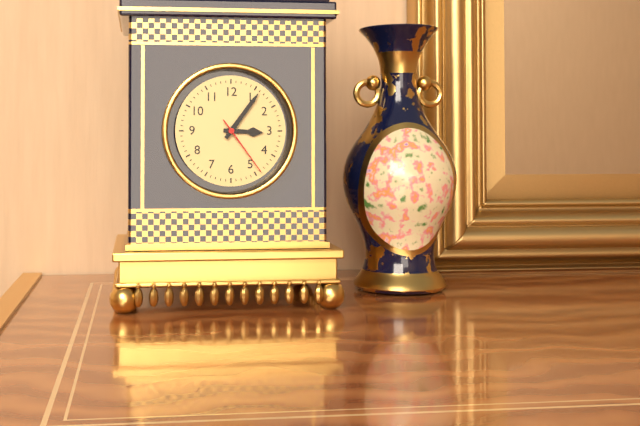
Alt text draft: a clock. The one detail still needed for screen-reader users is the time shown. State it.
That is 3:06:24
